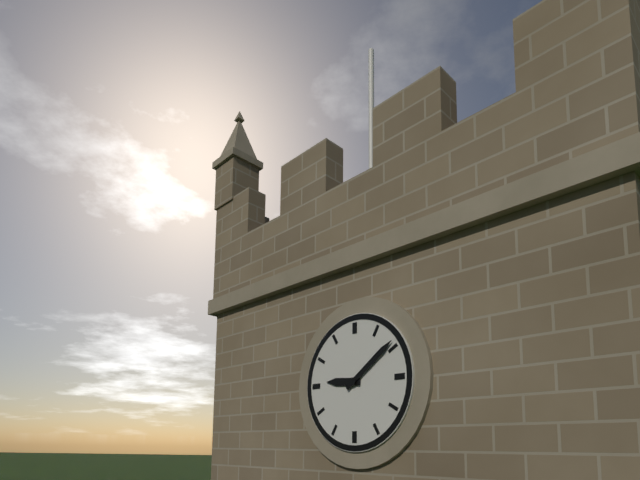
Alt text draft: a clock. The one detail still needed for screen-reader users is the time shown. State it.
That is 9:09
